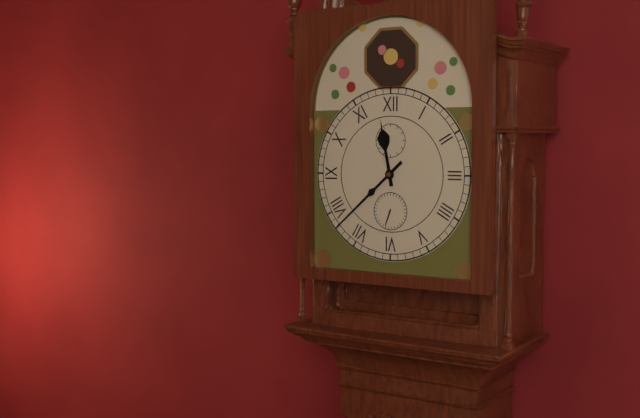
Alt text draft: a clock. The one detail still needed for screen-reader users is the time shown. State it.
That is 11:38
